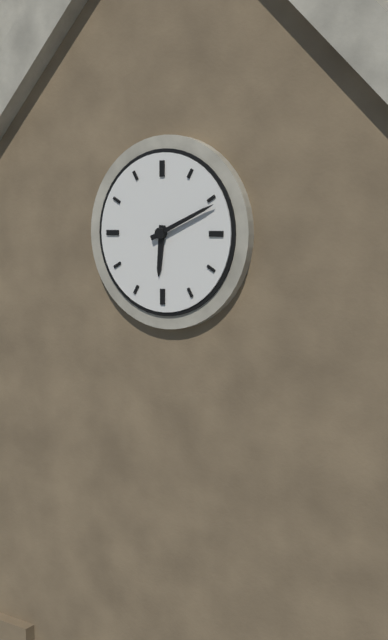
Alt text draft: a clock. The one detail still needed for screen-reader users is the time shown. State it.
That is 6:11
